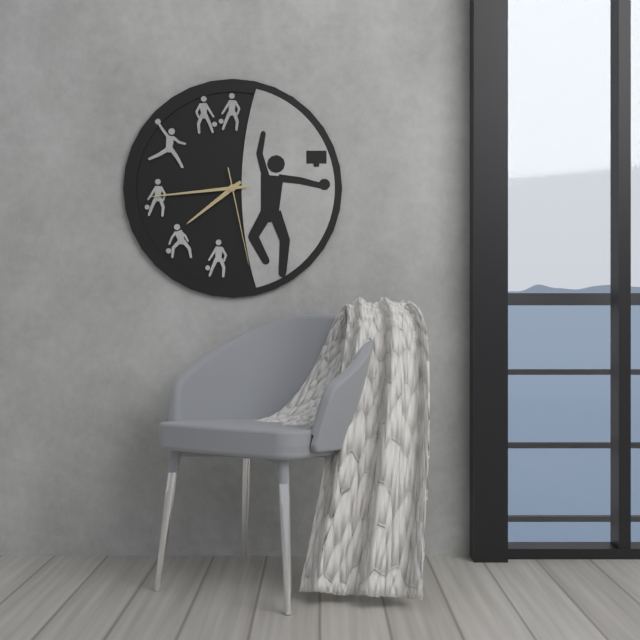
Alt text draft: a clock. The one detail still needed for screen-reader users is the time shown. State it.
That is 7:44:28
